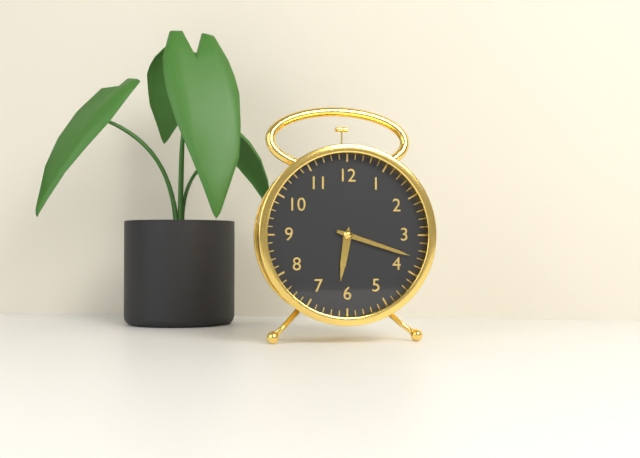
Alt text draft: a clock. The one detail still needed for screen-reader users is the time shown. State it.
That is 6:18
